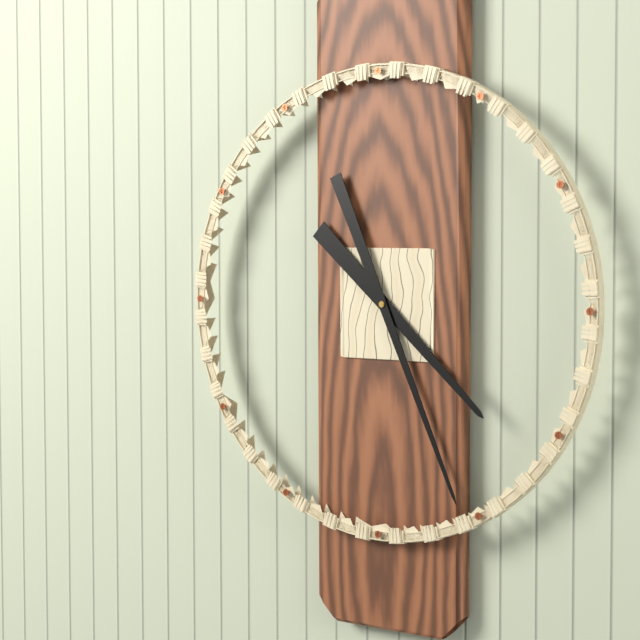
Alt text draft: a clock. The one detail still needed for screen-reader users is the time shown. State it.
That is 4:26
